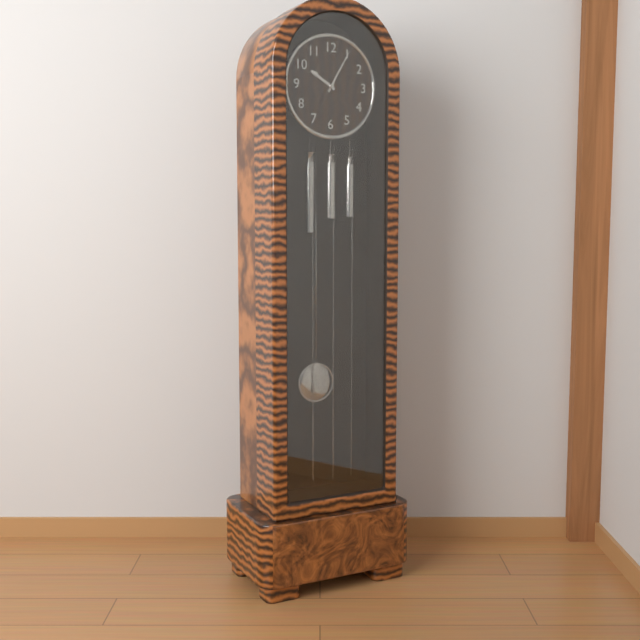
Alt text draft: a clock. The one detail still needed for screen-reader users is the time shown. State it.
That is 10:05
